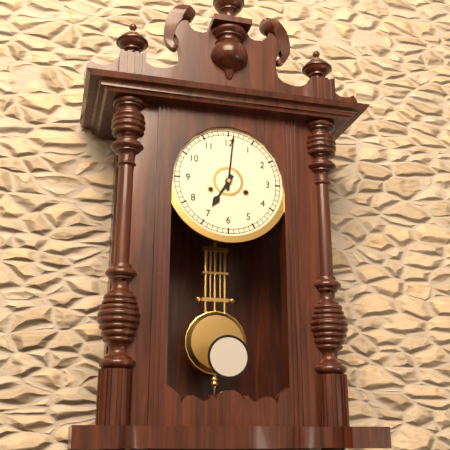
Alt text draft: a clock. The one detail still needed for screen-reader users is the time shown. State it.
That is 7:01
